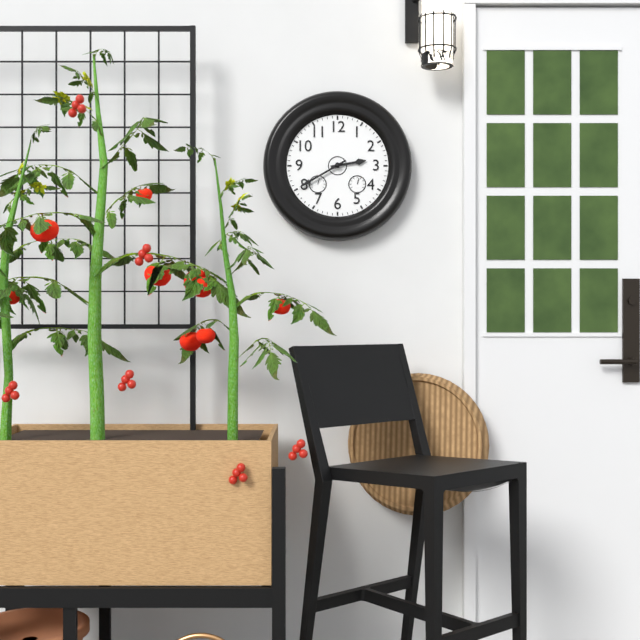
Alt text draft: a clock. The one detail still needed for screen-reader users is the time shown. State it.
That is 2:40
